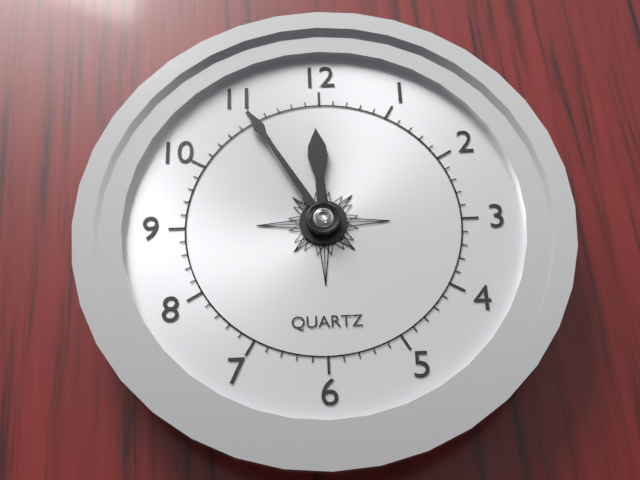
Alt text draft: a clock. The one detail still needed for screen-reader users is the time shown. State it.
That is 11:55
